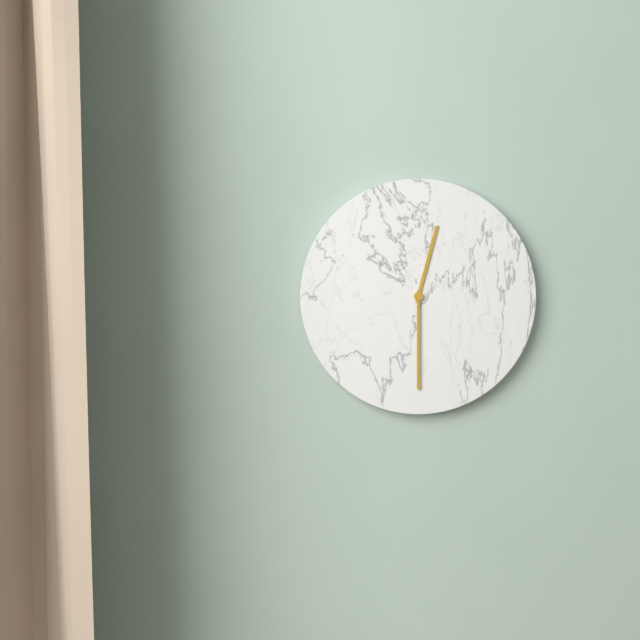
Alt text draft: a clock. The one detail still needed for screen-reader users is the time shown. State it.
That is 12:30
